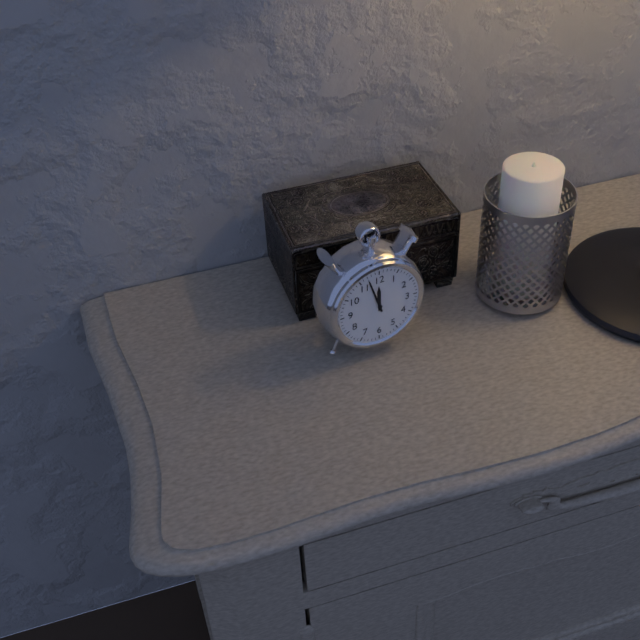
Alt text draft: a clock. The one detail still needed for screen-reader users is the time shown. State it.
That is 11:57
